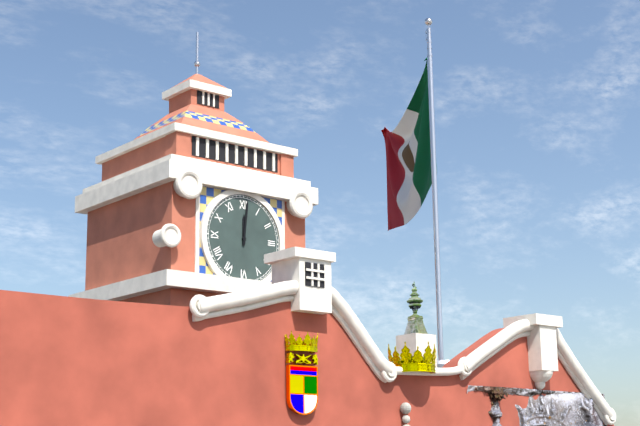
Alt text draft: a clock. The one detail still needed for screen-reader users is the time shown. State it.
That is 12:01
